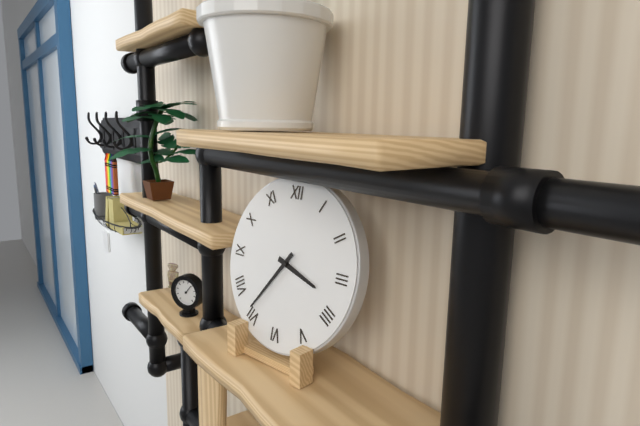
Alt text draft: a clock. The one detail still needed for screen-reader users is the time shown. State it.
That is 3:36
